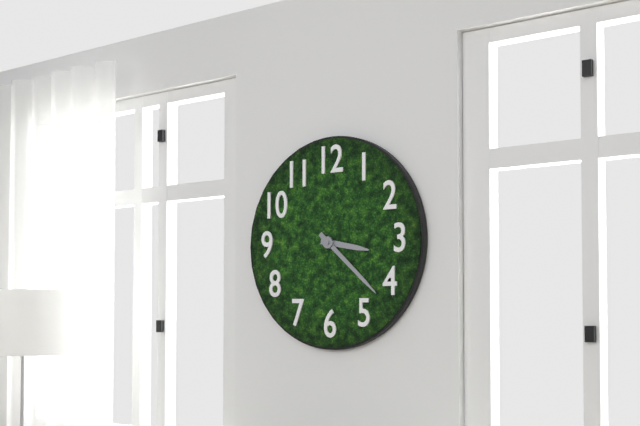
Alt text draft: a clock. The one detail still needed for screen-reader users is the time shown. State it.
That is 3:22
